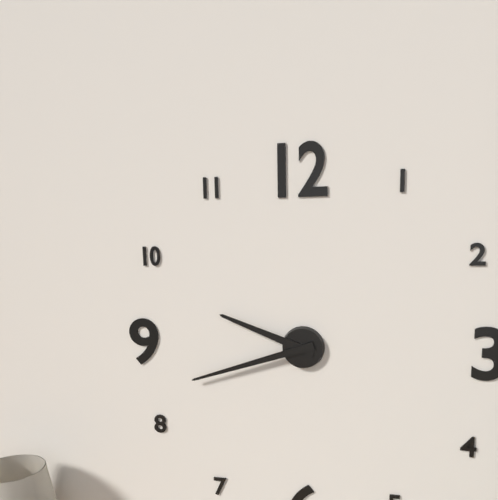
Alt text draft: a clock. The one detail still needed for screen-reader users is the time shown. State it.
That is 9:42
